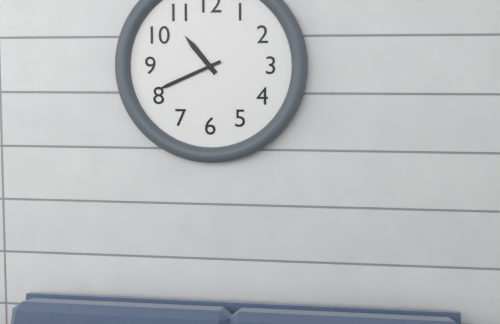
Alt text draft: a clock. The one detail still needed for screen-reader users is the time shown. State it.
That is 10:41
